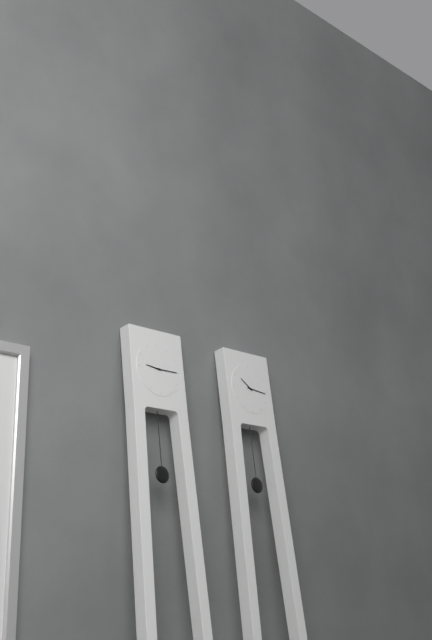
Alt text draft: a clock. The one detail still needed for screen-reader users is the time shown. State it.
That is 9:15
